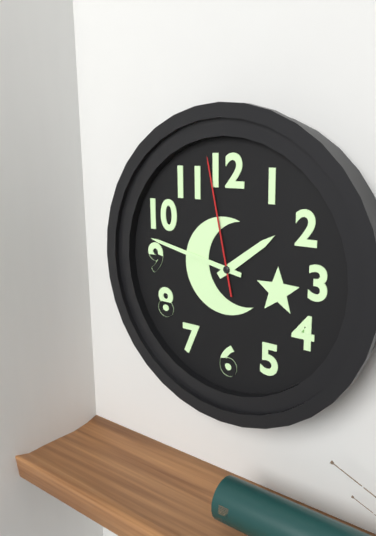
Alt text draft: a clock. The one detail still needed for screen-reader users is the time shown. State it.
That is 1:47:58
